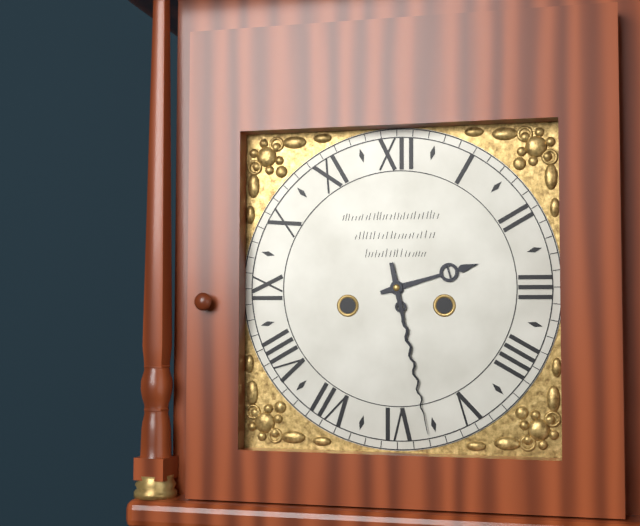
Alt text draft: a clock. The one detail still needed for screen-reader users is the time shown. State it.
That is 2:28
